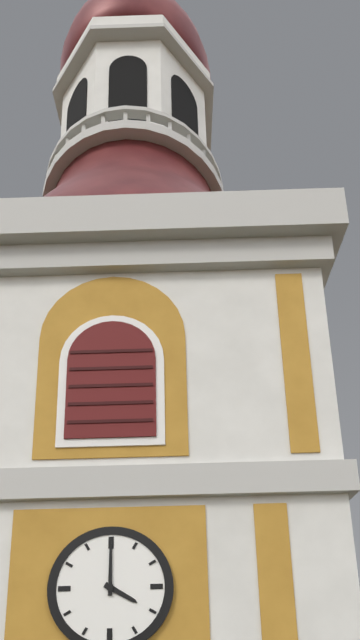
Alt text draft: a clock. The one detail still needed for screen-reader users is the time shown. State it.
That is 4:00
